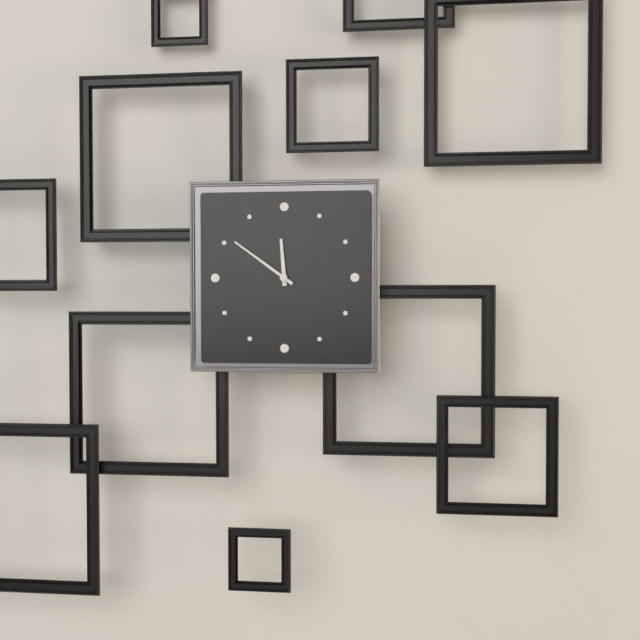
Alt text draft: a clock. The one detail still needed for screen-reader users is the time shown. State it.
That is 11:51
